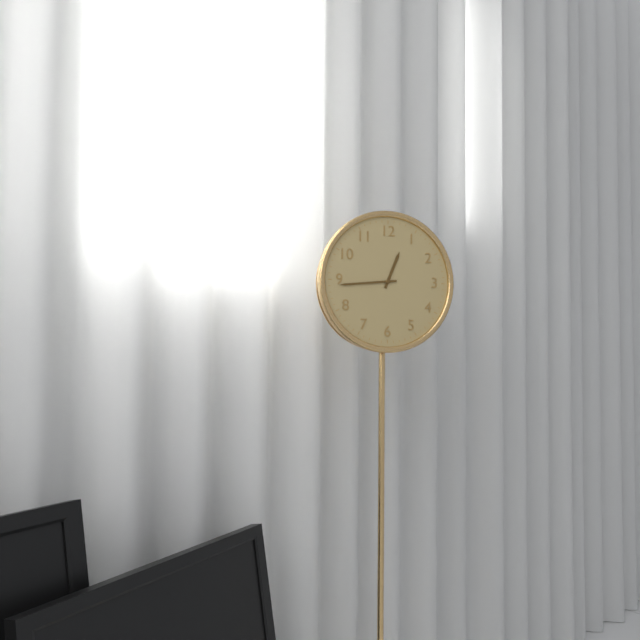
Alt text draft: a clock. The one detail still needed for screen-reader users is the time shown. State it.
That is 12:44
